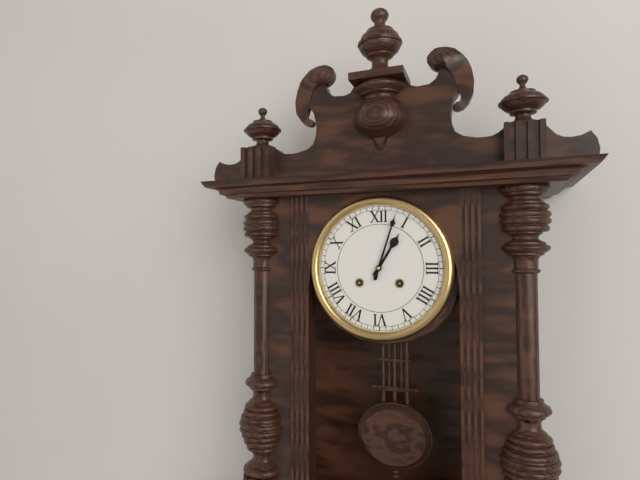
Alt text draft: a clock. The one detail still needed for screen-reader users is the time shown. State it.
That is 1:03
